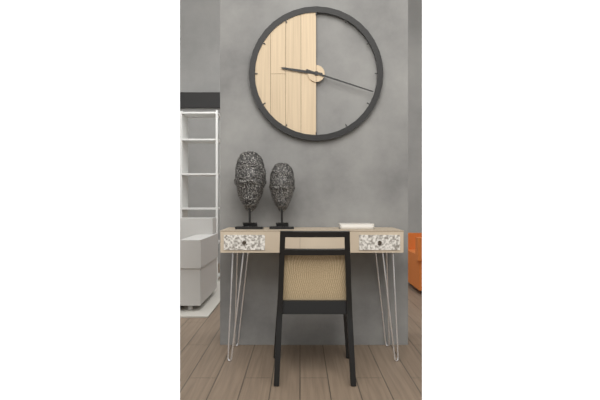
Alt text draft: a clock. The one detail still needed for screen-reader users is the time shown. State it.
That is 9:18
